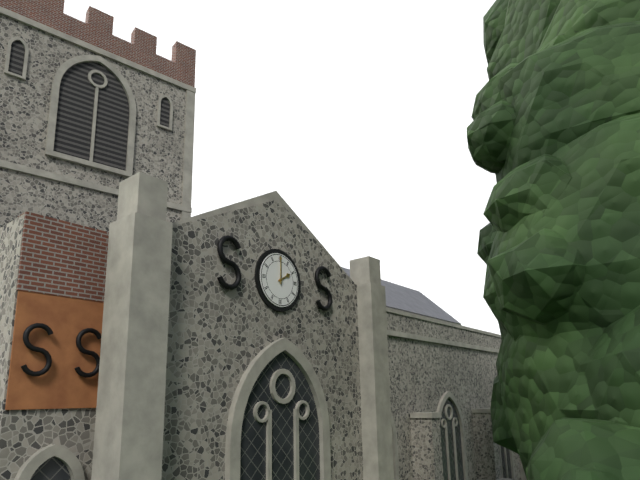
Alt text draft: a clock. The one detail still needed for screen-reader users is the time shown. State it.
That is 2:00
